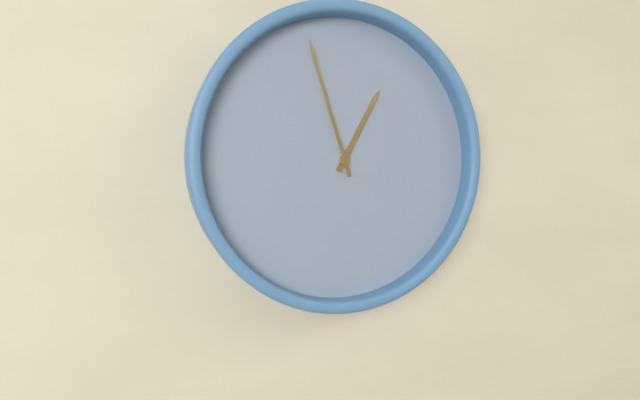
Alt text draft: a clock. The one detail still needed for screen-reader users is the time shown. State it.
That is 12:57
